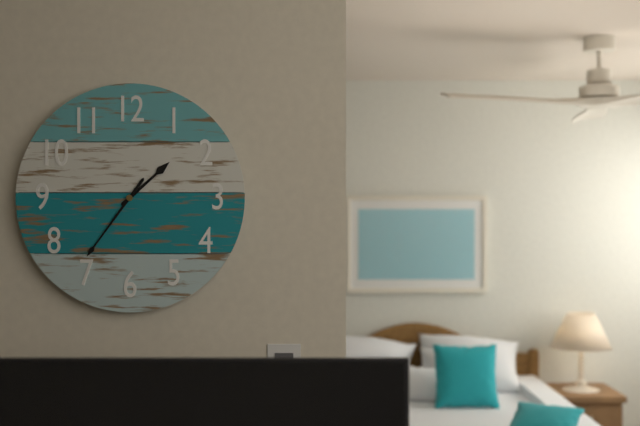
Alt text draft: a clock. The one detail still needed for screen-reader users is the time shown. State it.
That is 1:36
